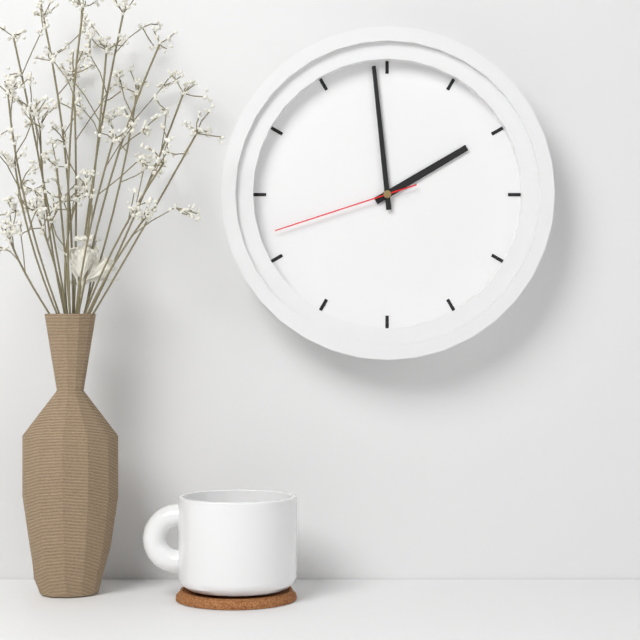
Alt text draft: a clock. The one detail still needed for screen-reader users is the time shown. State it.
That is 1:59:42
